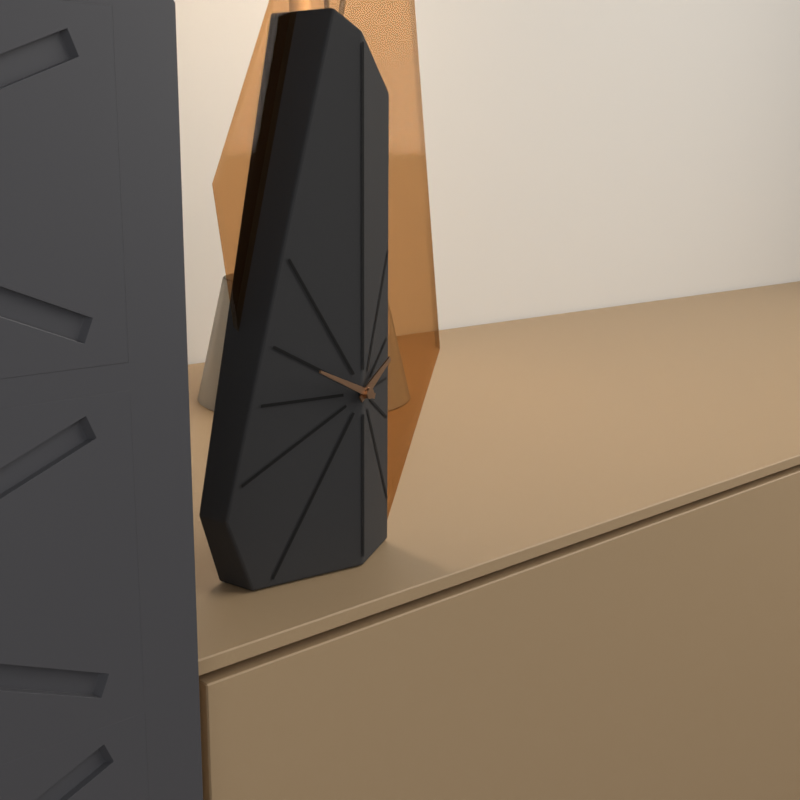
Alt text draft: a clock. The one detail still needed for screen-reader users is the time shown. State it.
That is 1:49
